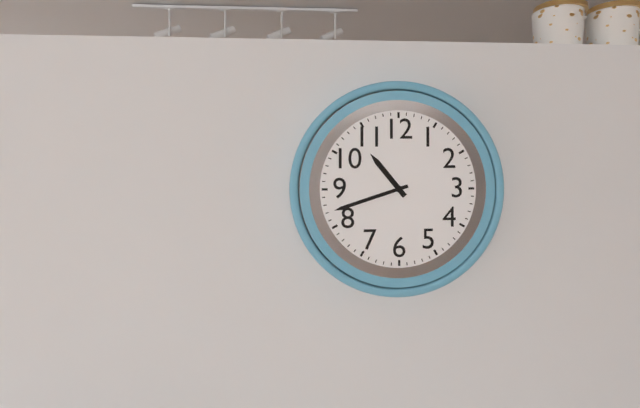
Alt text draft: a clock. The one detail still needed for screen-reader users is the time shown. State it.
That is 10:42
